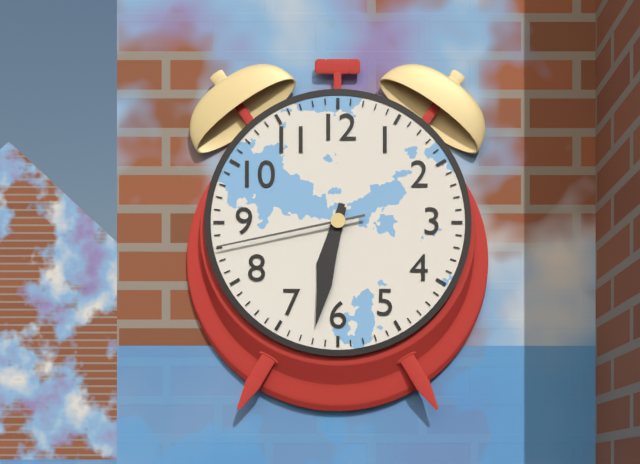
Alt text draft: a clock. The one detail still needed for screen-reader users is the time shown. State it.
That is 6:32:43
